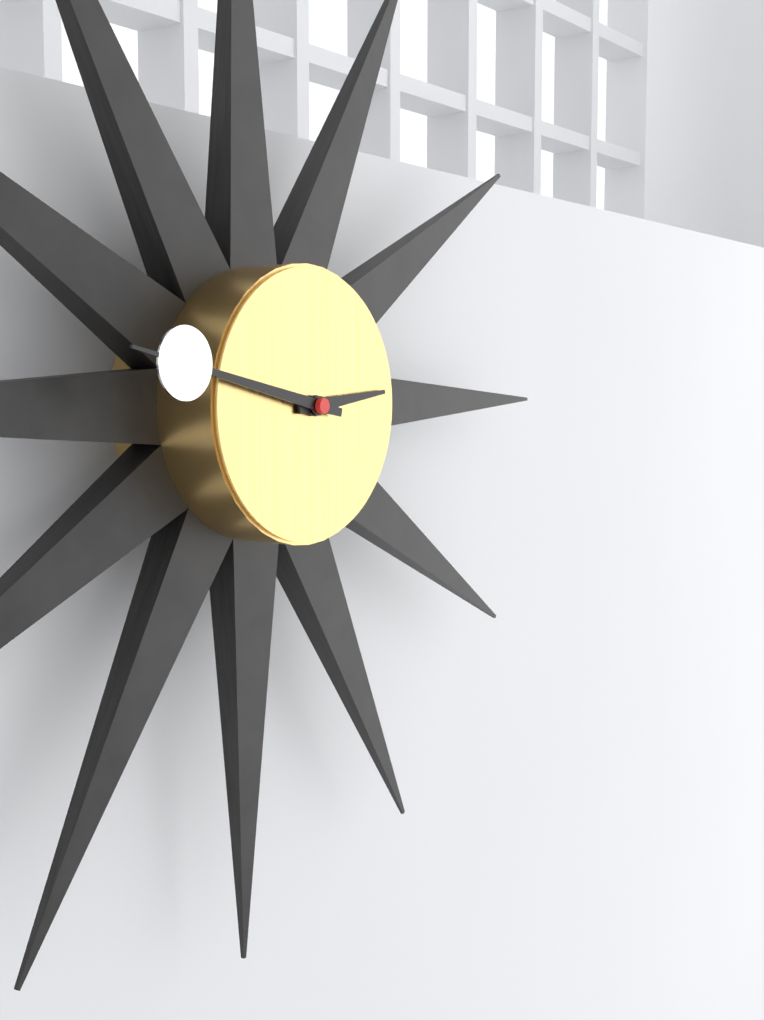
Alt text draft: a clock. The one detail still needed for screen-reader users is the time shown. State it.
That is 2:47
